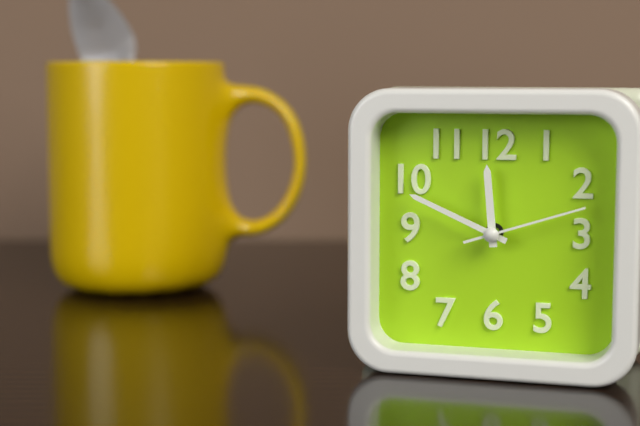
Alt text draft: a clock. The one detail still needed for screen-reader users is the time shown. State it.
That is 11:49:12
